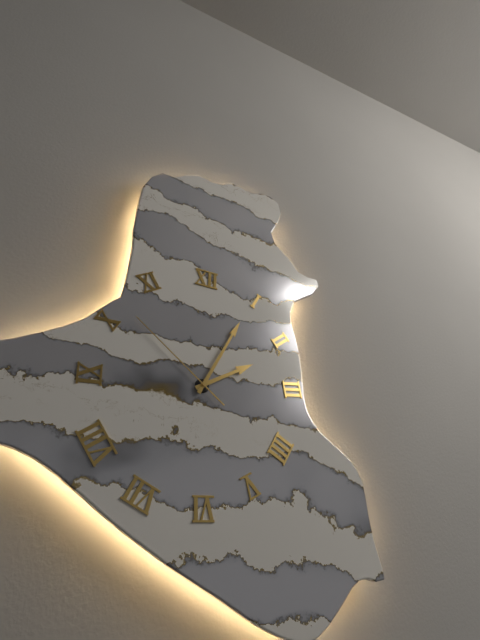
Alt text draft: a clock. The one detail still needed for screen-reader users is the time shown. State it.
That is 2:05:52
